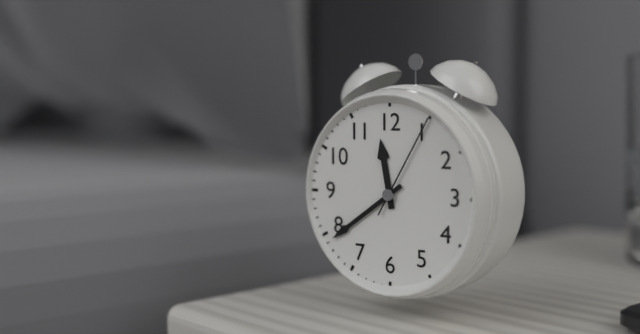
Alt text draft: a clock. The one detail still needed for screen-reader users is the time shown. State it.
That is 11:39:05
